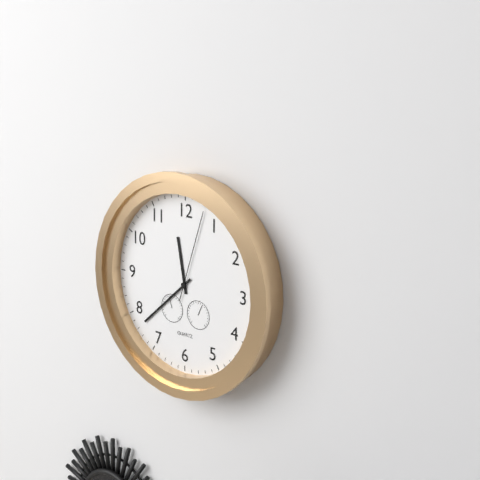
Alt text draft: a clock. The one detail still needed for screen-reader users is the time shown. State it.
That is 11:38:03
